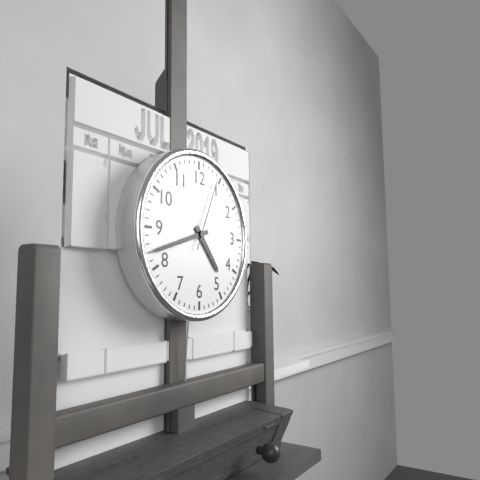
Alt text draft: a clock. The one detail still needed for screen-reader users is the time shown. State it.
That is 4:42:04
